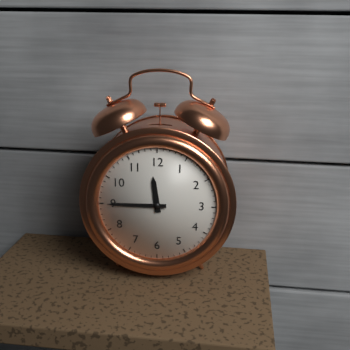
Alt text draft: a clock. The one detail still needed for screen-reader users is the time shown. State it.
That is 11:45
